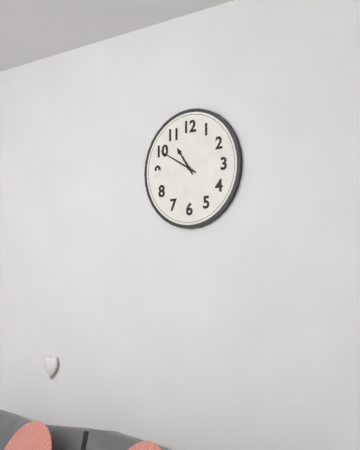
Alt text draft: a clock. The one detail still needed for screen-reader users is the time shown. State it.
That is 10:50
